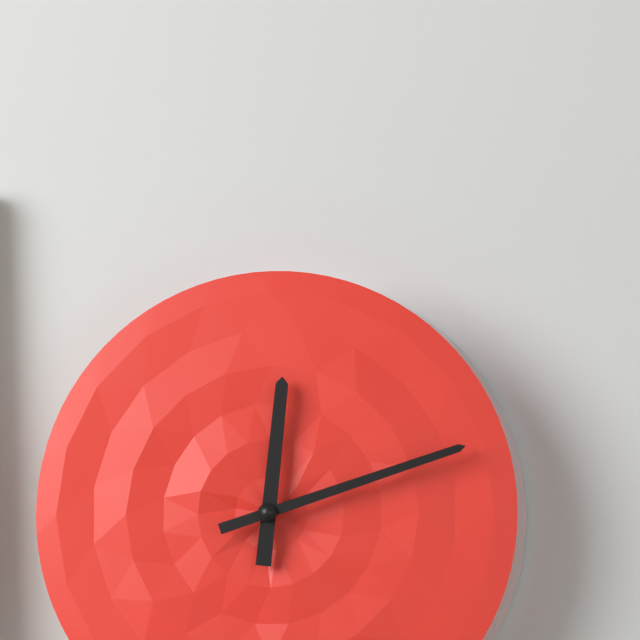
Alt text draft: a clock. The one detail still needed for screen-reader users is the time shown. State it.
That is 12:12
